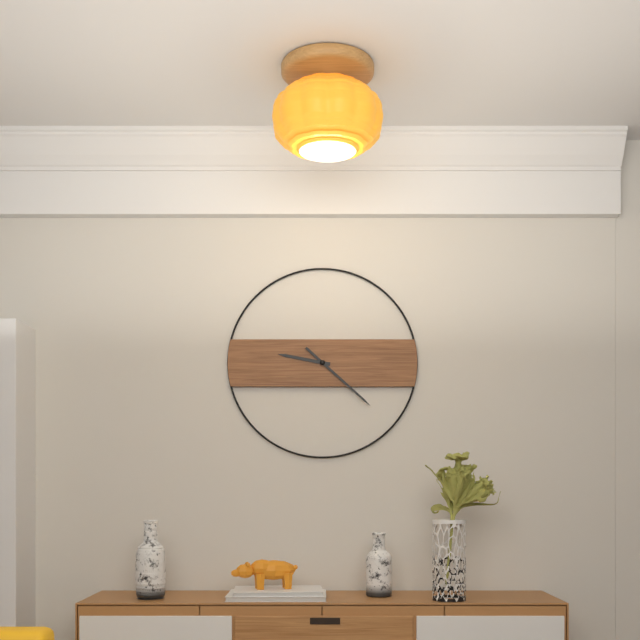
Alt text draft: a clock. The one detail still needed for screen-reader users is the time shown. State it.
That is 9:22
